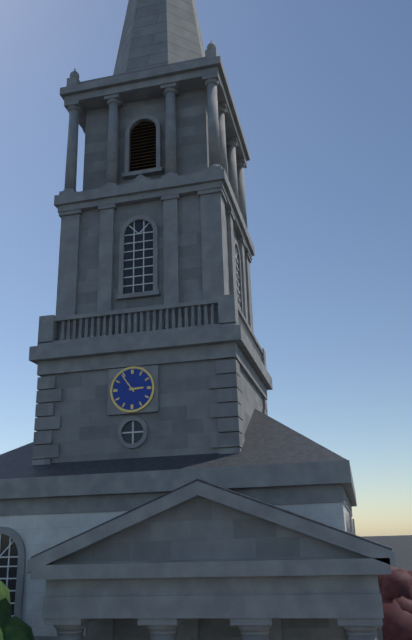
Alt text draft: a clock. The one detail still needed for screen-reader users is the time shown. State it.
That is 2:54
